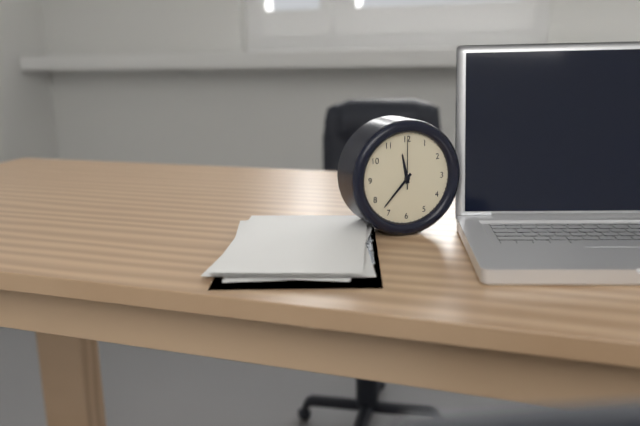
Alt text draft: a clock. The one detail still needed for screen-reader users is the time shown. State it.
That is 11:37:00
